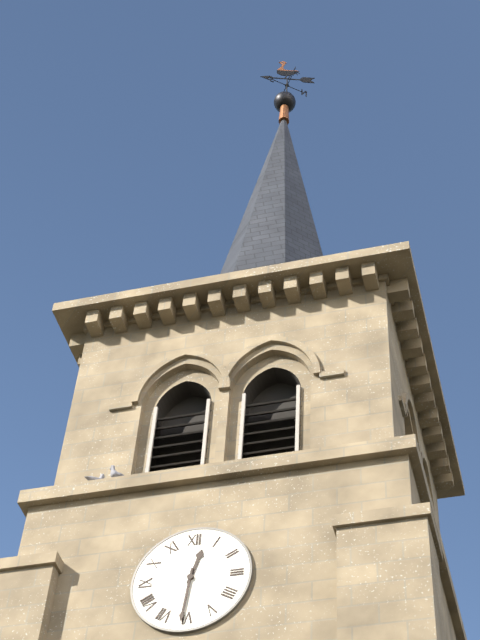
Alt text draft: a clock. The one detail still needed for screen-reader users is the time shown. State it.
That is 12:31
